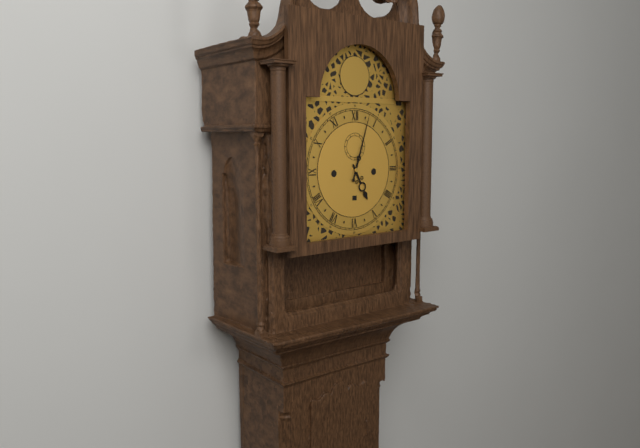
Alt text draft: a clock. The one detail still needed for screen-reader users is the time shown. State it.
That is 5:03
